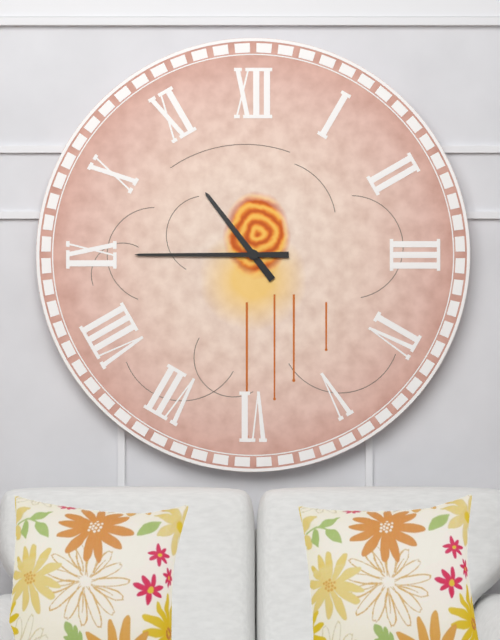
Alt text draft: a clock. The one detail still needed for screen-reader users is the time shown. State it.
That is 10:45
